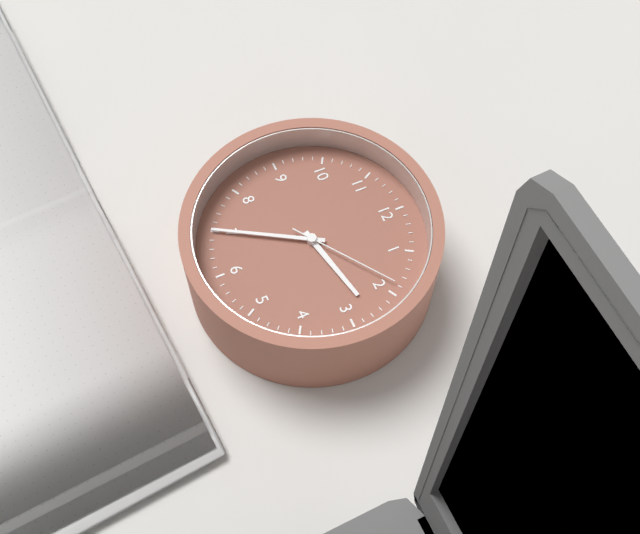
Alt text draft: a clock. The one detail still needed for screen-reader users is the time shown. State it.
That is 2:35:09
